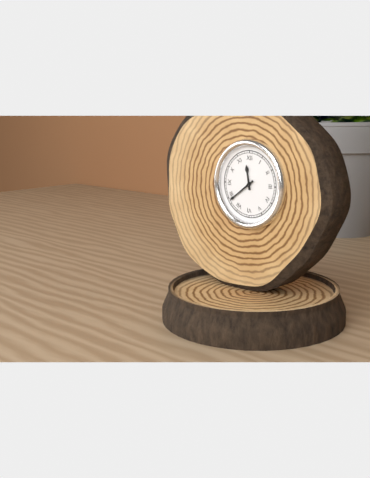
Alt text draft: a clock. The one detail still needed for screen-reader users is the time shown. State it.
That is 11:39
